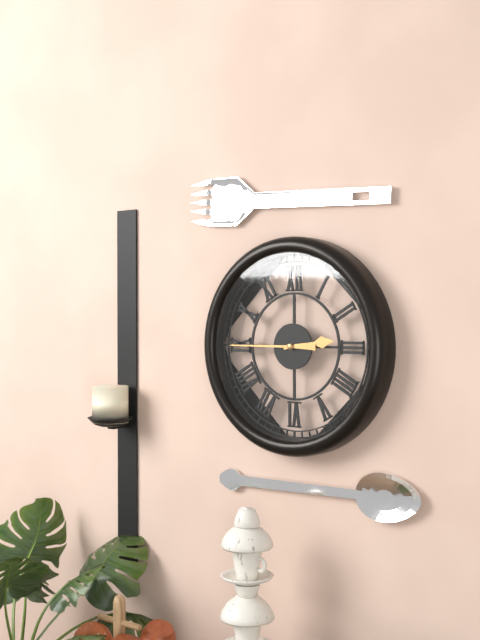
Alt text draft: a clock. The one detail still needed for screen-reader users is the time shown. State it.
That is 2:45
